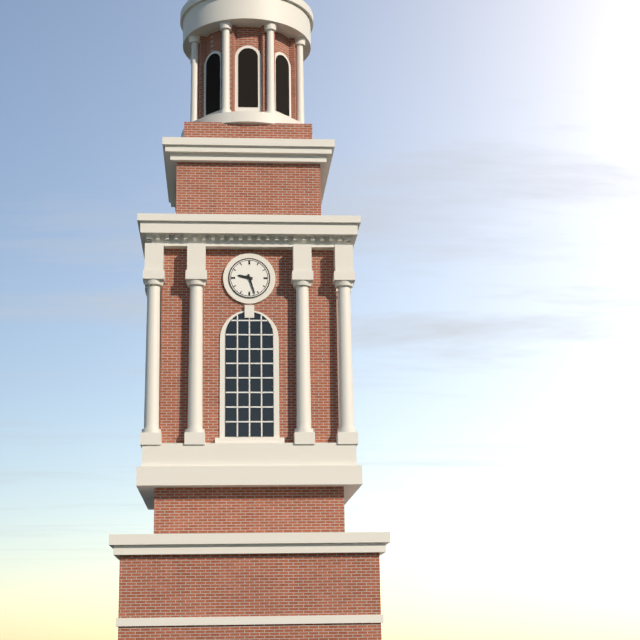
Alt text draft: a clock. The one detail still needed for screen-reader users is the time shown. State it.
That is 9:27
